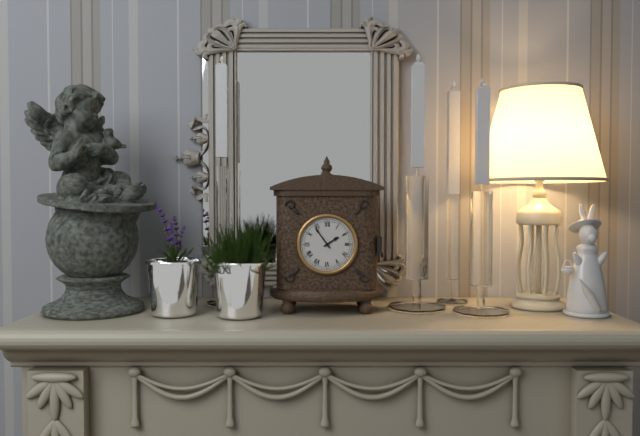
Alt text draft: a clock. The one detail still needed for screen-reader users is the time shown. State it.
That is 1:54
